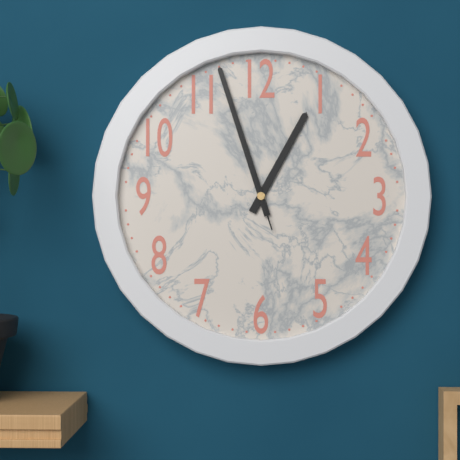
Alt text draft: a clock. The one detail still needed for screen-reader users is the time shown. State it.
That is 12:57:57
